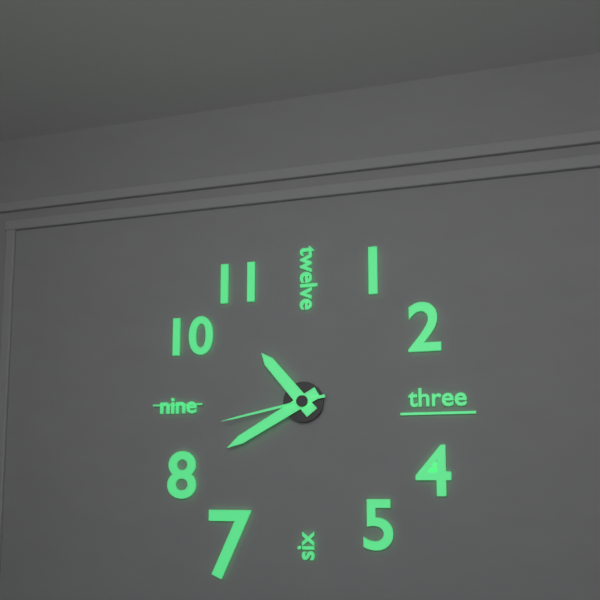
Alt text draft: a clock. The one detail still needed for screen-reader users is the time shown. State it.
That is 10:40:43
